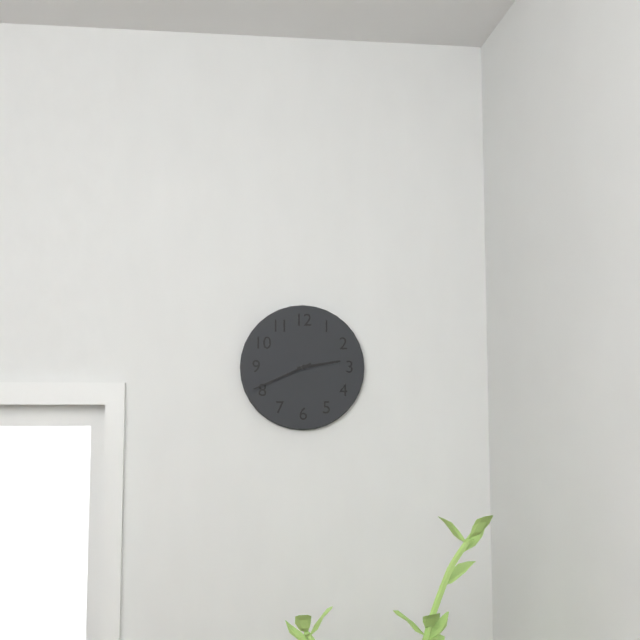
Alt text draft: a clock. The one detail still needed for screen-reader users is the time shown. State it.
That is 2:41
